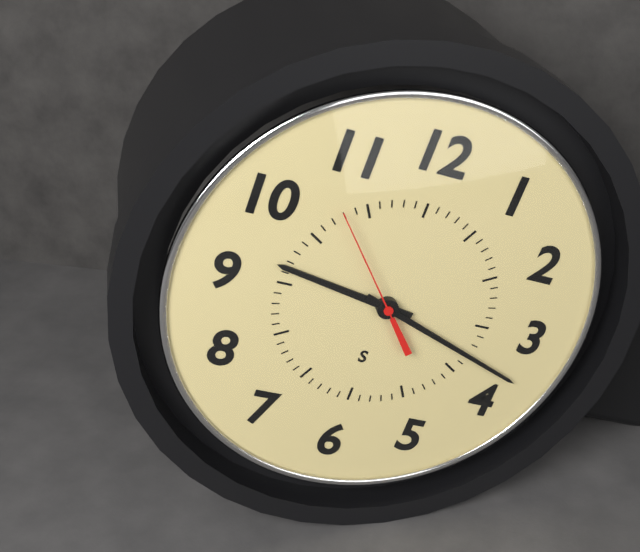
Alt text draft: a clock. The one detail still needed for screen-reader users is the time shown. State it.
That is 9:18:53
